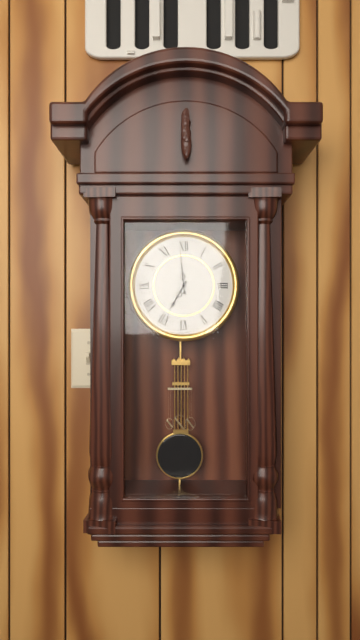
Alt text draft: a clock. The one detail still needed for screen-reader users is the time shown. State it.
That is 6:59
